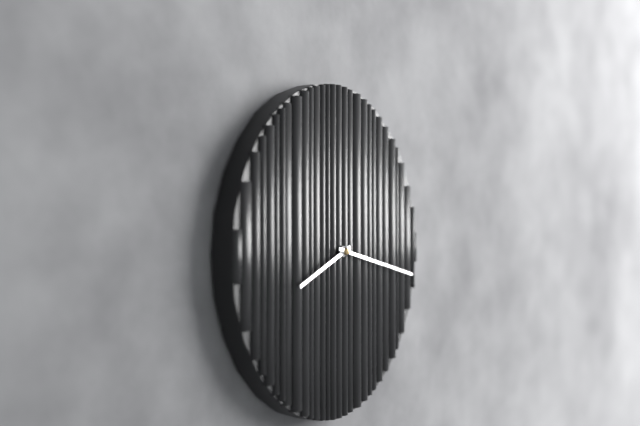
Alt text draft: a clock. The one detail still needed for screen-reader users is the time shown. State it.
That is 8:17
